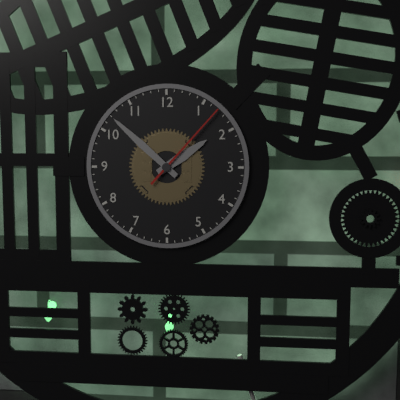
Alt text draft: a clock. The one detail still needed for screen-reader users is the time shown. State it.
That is 1:52:07
